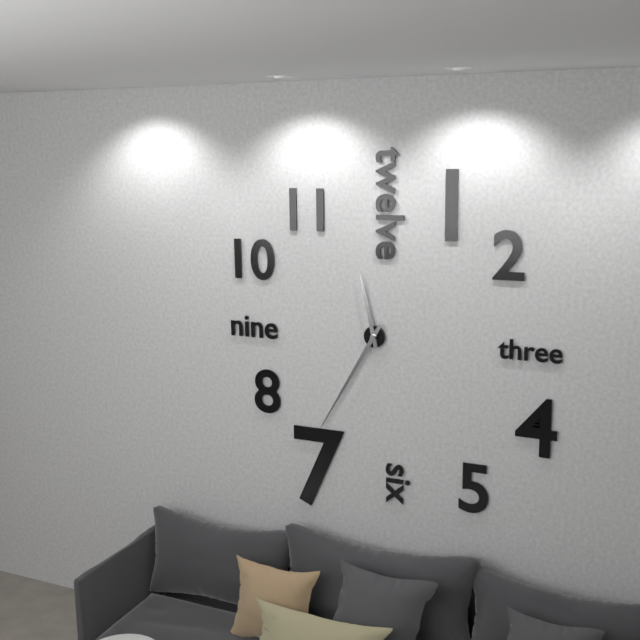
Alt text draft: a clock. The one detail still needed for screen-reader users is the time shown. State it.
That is 11:35
